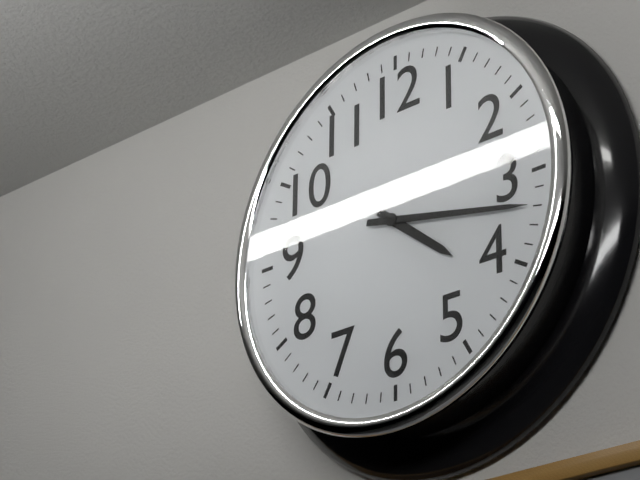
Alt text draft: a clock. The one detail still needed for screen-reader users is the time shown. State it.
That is 4:17
